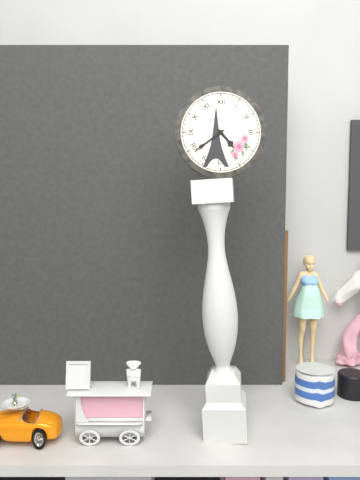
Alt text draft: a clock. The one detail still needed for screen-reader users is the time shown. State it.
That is 4:39
